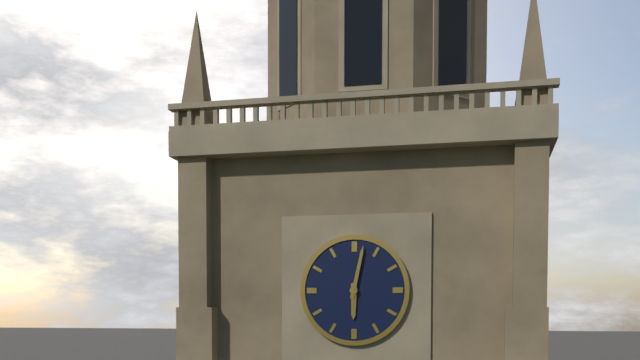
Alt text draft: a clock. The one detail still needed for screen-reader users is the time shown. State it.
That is 6:02
